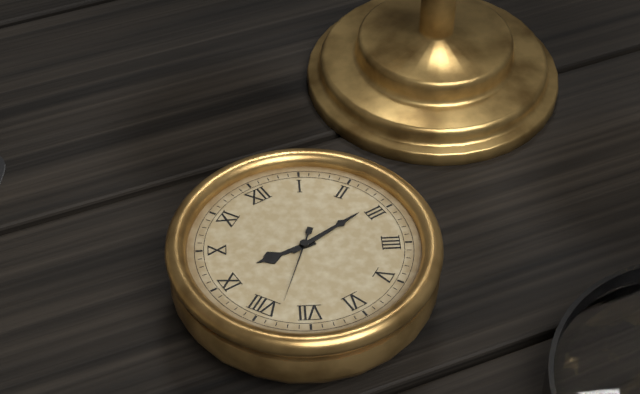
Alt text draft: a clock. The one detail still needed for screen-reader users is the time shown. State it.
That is 9:14:38
